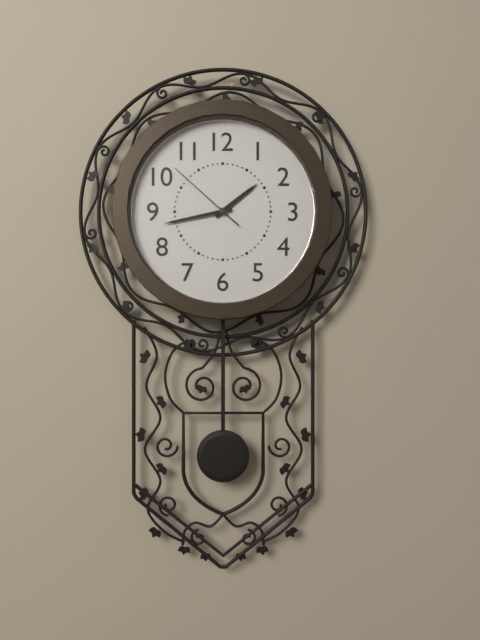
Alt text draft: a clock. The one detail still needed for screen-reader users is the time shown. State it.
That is 1:43:52
